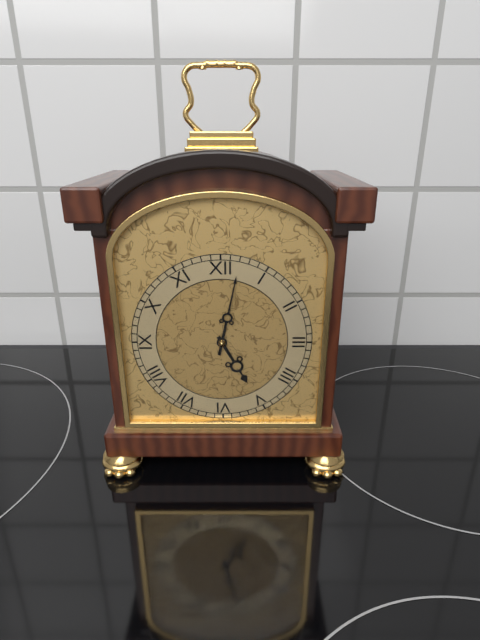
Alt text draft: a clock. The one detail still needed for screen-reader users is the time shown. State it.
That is 5:02
